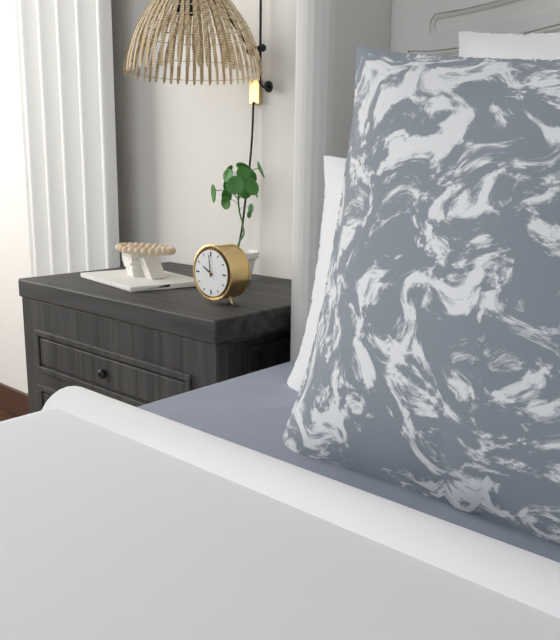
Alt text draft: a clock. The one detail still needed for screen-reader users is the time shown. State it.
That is 9:59
